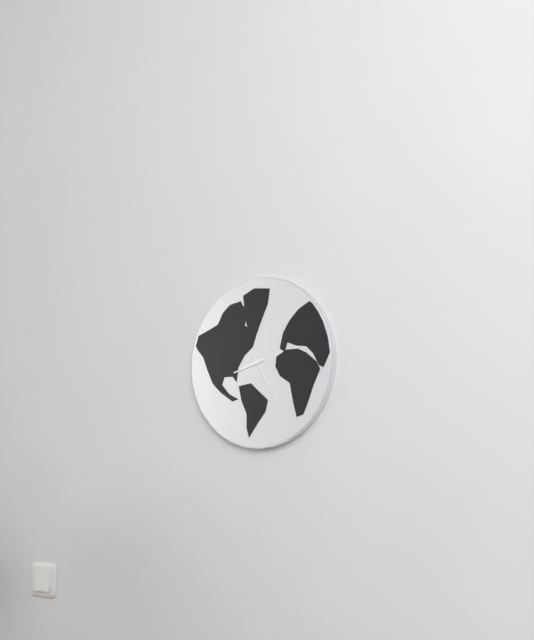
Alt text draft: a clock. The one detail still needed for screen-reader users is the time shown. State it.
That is 8:25
